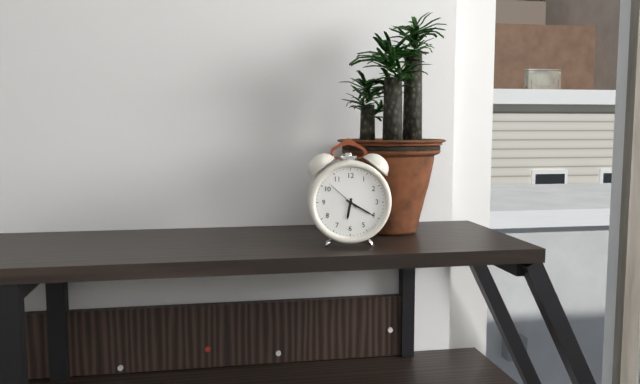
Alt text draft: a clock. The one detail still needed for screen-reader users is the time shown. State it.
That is 6:20
